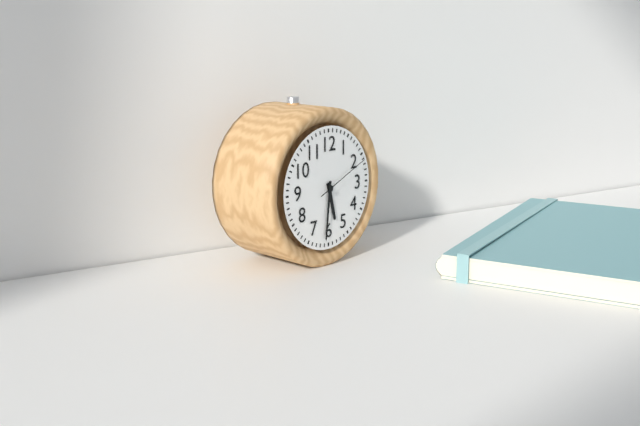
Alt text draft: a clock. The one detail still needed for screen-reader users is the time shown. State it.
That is 5:31:11
